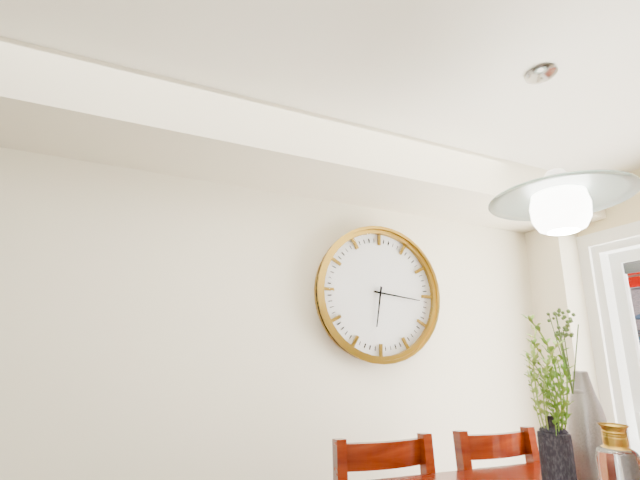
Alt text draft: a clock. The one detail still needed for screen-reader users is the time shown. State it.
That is 6:16
